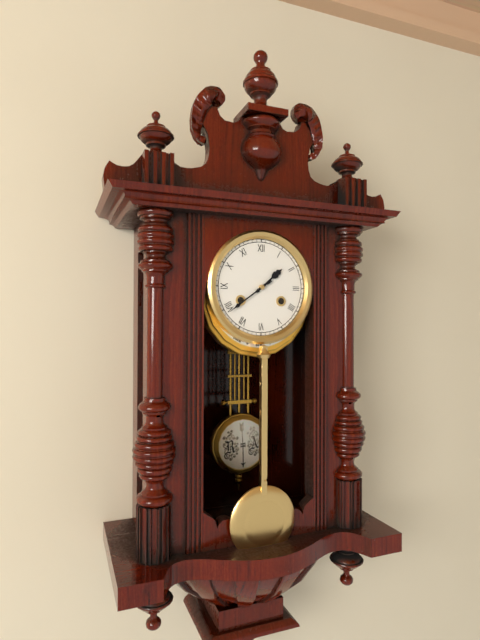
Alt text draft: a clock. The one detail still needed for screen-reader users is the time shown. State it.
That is 1:39
